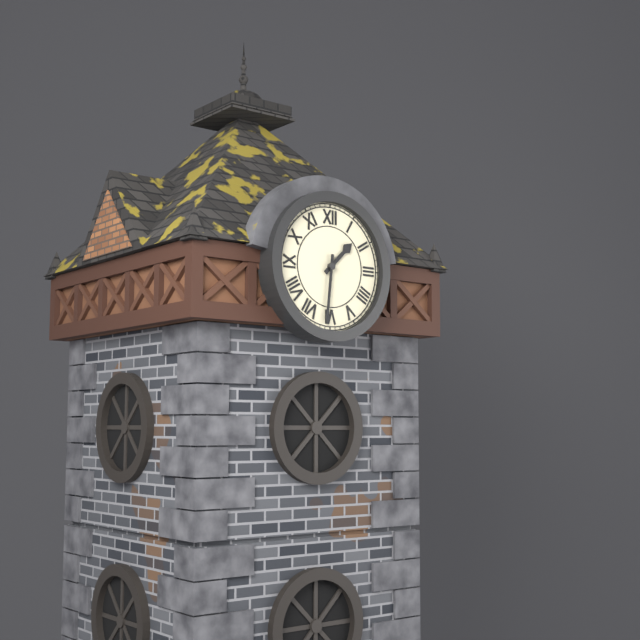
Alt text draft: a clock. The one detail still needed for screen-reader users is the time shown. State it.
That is 1:31
